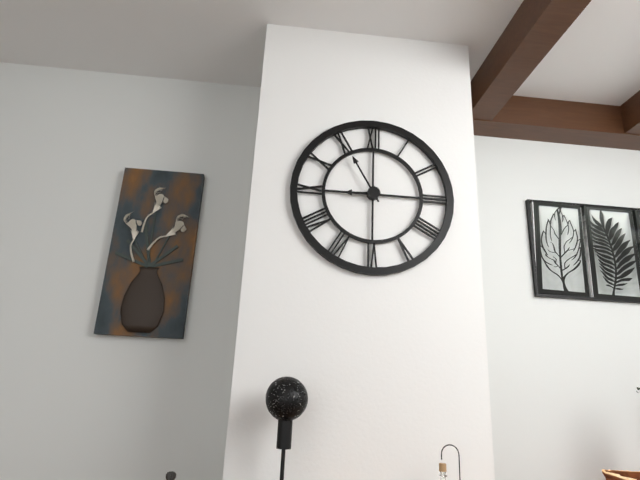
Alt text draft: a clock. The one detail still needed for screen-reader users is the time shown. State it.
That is 8:55
